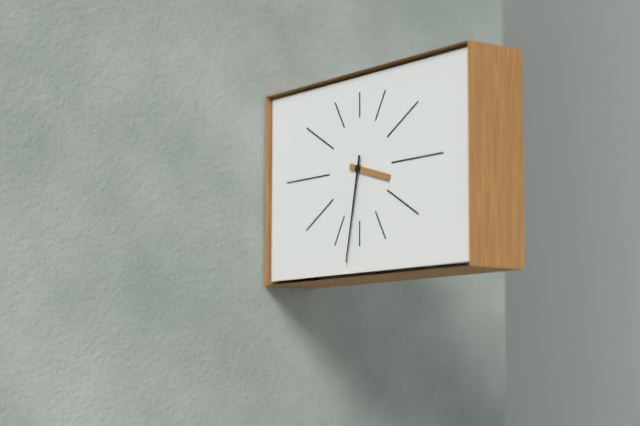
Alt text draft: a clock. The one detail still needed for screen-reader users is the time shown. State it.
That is 3:32
